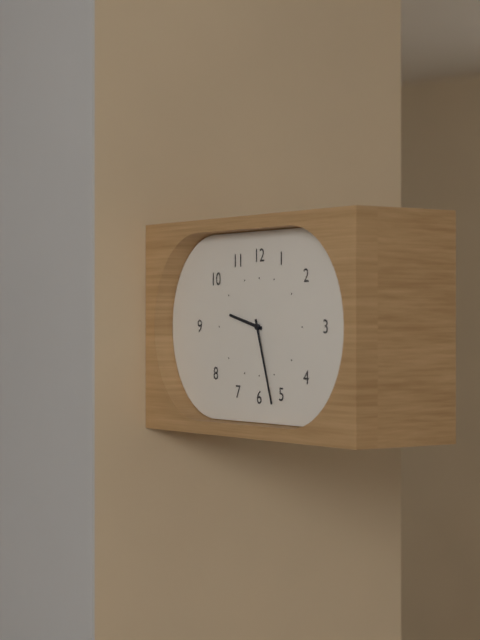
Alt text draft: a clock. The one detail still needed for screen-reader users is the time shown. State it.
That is 9:27
